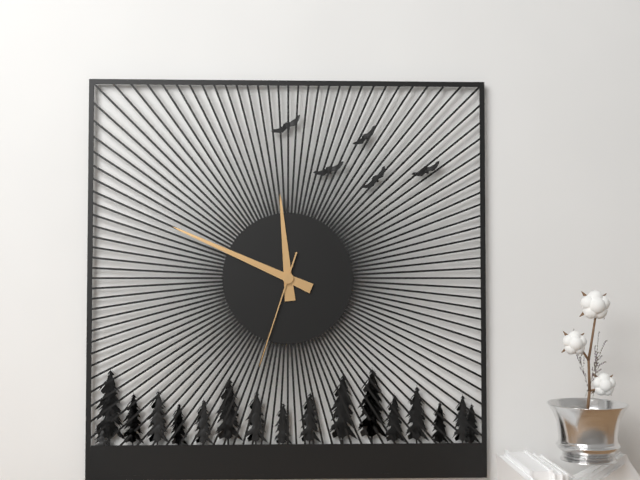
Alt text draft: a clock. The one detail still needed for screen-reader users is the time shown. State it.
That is 11:49:33
